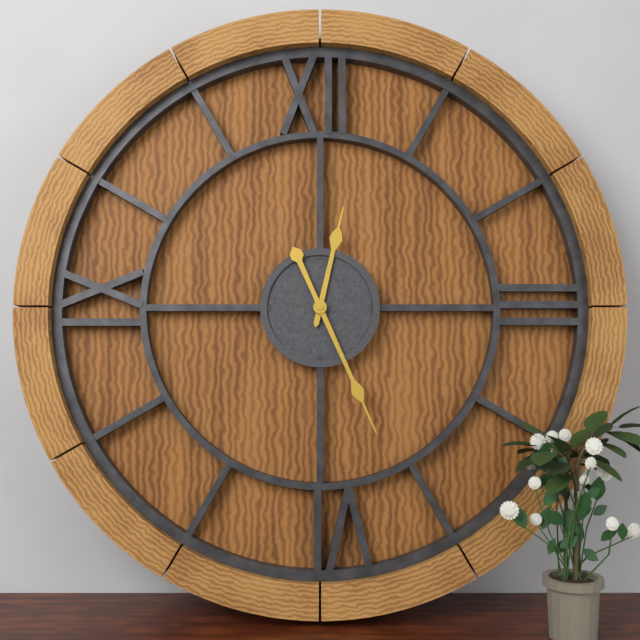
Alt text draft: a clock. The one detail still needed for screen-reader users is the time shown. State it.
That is 12:26
